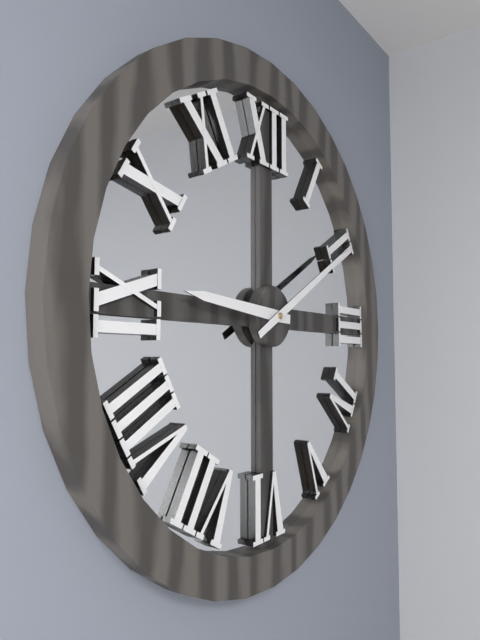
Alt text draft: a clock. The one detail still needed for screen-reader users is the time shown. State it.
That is 9:10
